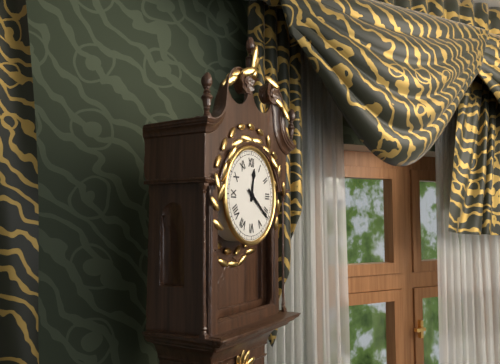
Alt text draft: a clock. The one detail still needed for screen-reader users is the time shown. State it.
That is 12:21
